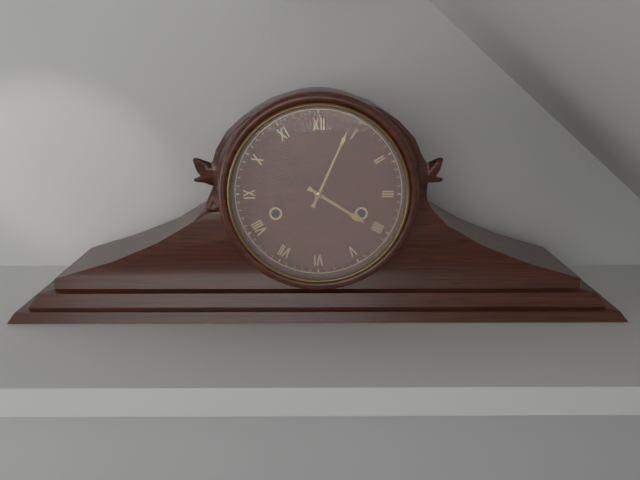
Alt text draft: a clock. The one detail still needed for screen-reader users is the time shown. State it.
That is 4:04
